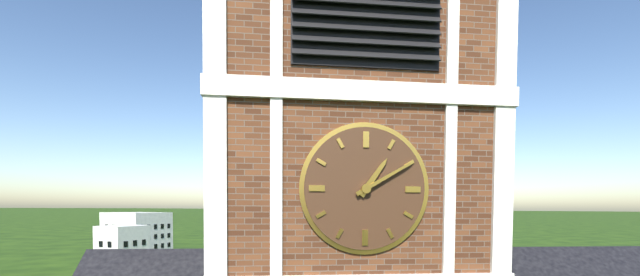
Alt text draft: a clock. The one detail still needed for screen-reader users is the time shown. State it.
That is 1:10
